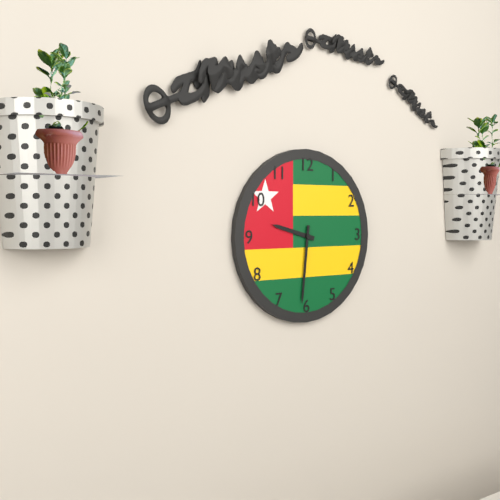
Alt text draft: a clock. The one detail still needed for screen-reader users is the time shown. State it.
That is 9:31
